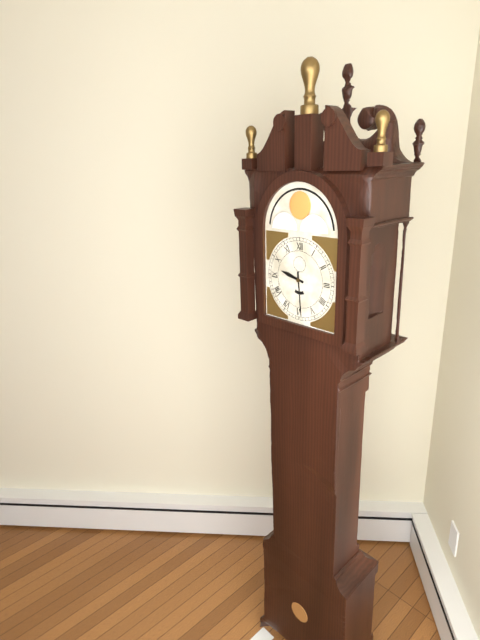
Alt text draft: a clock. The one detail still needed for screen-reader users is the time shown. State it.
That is 9:29
